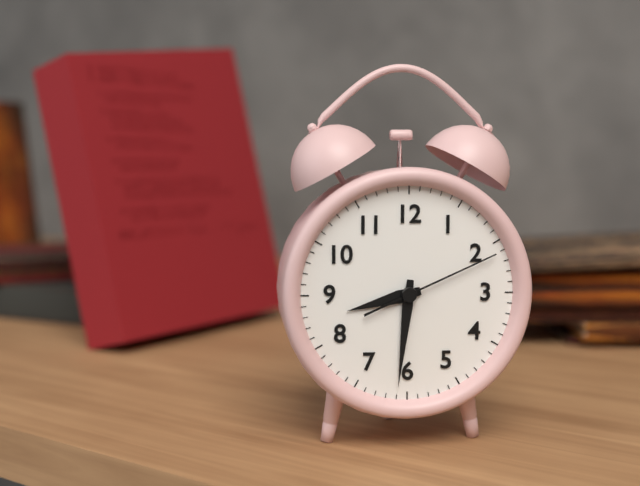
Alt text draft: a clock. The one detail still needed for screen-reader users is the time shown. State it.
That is 8:31:11
